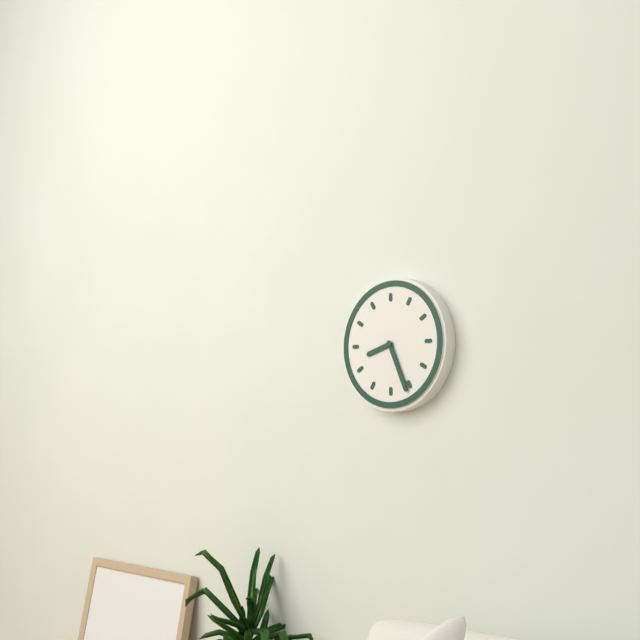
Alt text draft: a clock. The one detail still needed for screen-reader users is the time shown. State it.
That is 8:26
